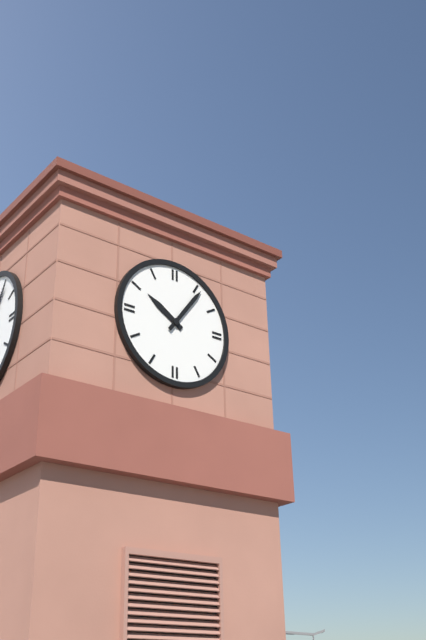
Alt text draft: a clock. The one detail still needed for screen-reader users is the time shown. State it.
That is 10:06
